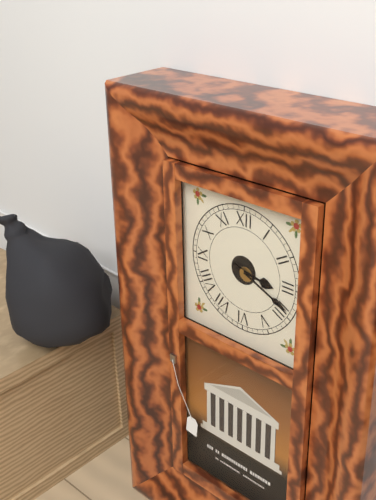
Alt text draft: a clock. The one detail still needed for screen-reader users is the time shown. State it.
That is 3:19
